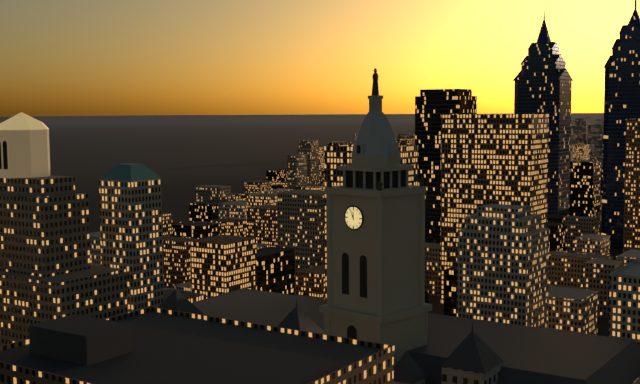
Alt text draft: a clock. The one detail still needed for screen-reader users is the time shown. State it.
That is 11:56
